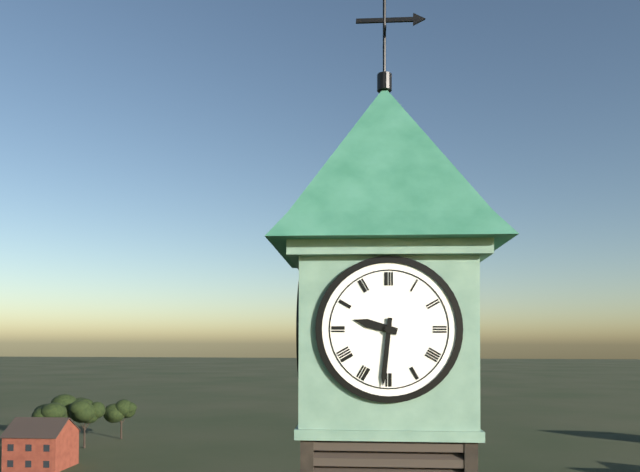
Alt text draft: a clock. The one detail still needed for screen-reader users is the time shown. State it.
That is 9:31
